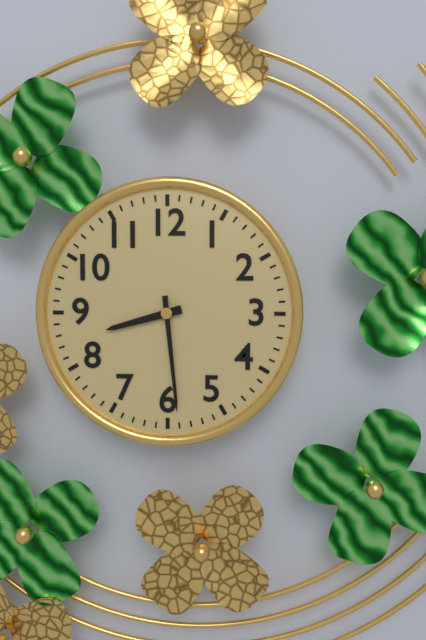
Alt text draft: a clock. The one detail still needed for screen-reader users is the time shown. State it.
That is 8:29
